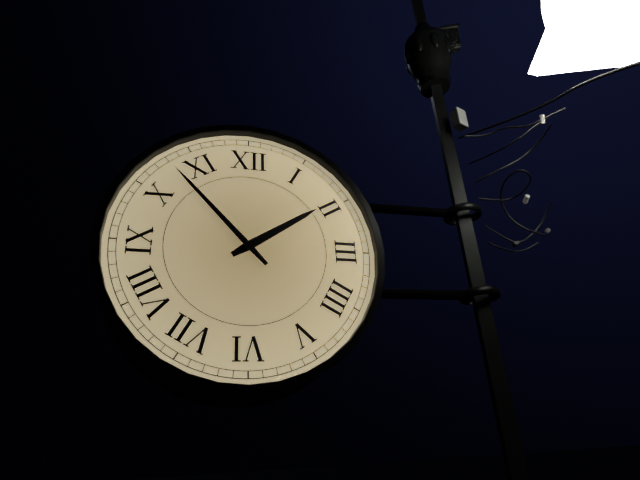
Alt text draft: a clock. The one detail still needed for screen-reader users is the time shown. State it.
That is 1:53
